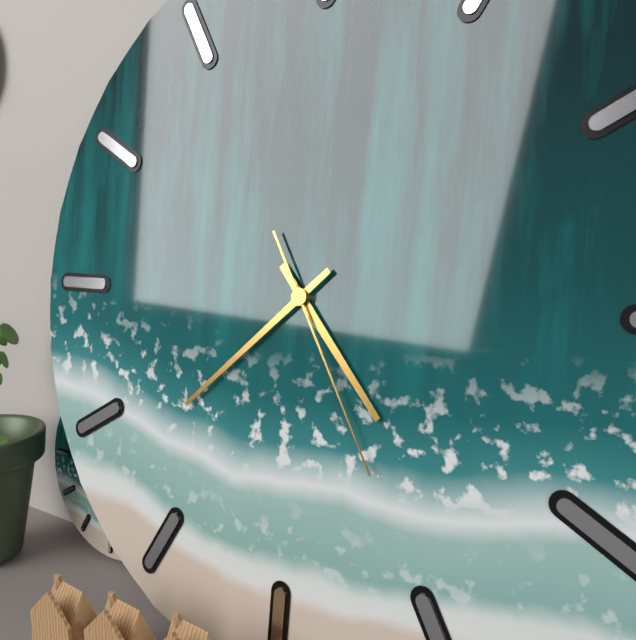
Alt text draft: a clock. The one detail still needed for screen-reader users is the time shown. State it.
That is 4:38:25
